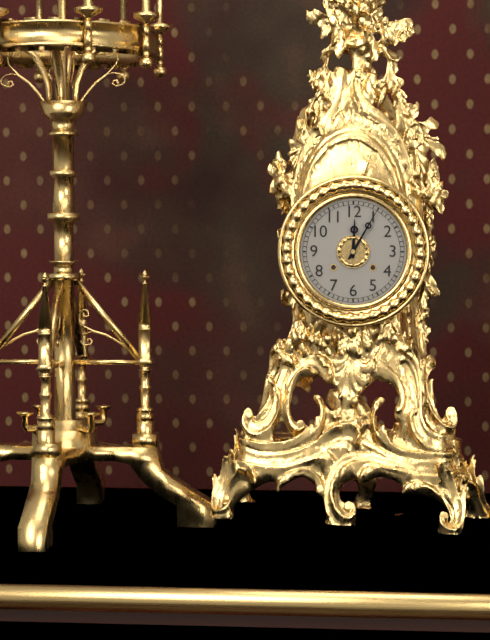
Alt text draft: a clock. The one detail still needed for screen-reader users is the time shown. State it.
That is 12:05
